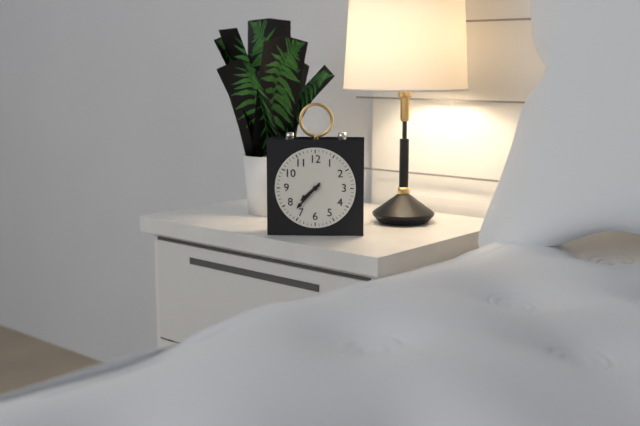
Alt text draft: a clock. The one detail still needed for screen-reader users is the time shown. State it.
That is 7:37
